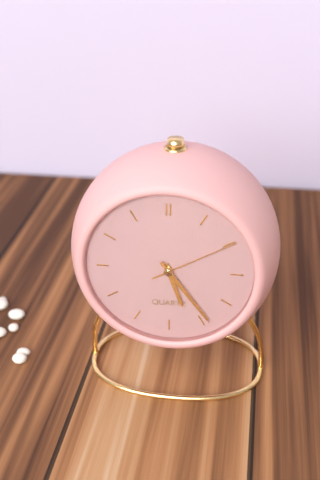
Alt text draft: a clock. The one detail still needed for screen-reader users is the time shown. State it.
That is 5:24:10
